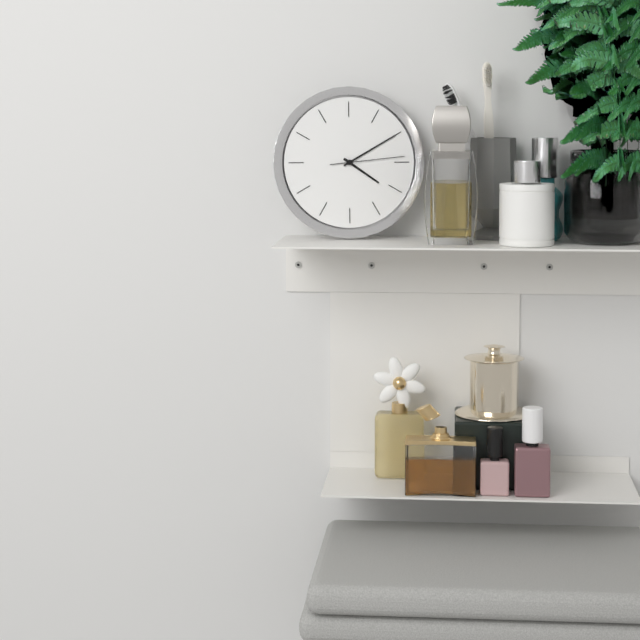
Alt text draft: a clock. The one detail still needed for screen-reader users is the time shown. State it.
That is 4:10:14
